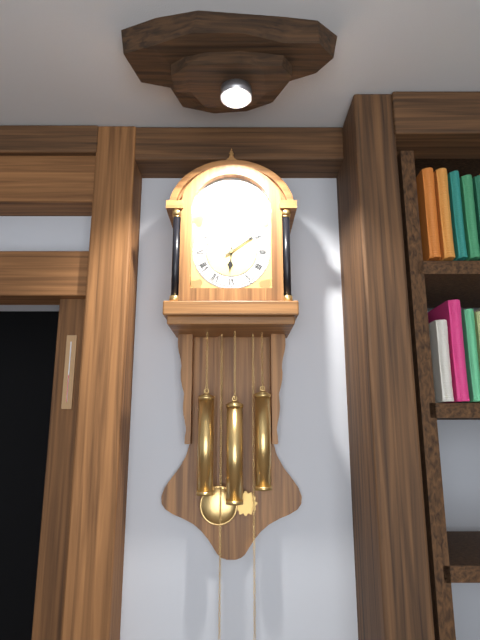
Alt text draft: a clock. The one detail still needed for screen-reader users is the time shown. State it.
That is 6:09
